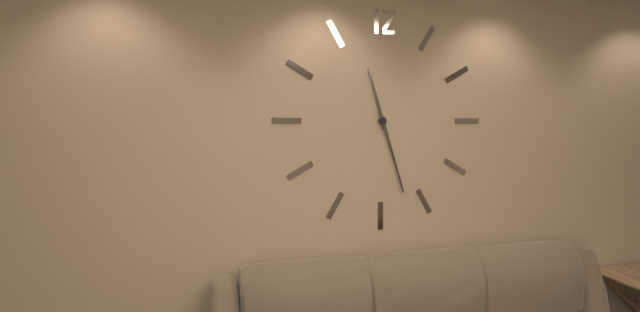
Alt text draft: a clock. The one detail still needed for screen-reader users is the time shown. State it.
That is 11:27
